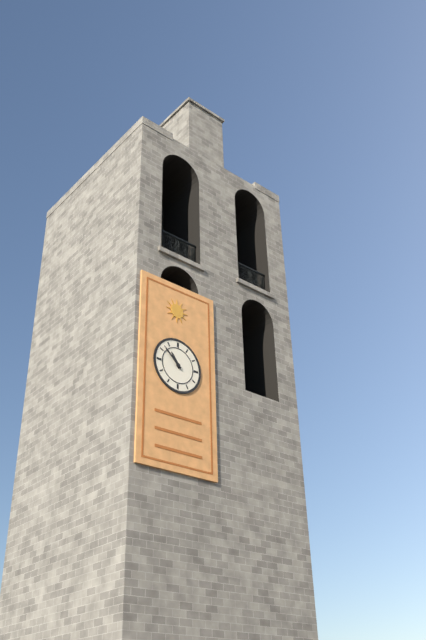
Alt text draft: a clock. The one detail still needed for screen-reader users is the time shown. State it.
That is 10:52
